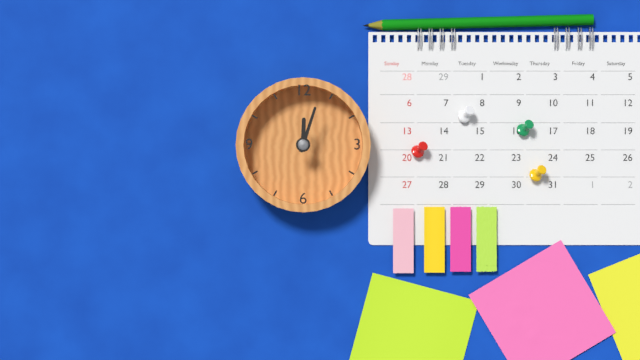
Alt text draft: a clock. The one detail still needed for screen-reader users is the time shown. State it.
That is 12:03
